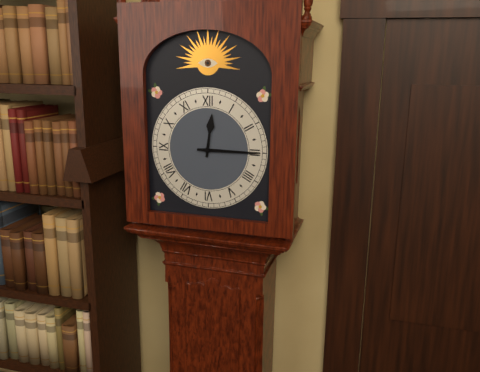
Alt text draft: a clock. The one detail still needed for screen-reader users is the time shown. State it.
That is 12:15
